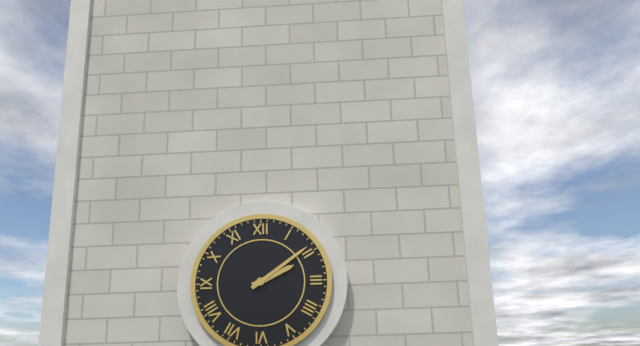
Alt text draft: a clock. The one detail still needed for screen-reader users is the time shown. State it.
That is 2:09
